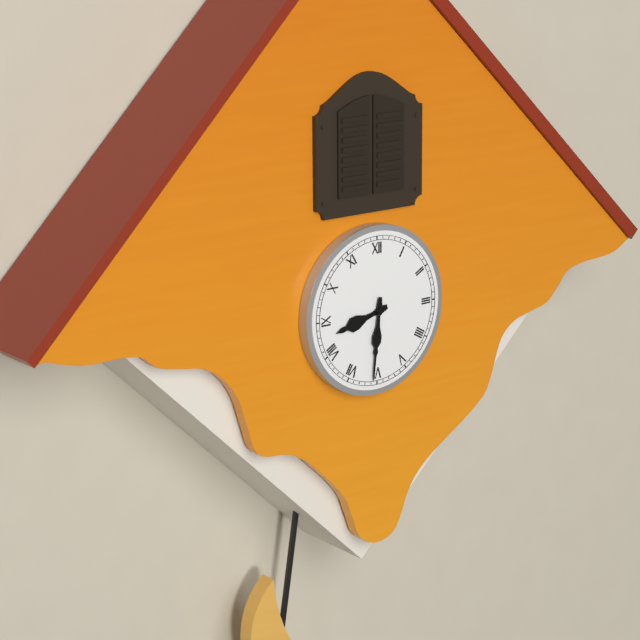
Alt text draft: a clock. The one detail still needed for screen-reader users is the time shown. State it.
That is 8:31
